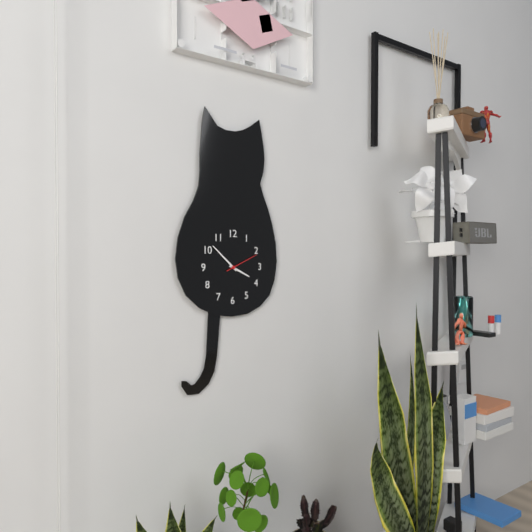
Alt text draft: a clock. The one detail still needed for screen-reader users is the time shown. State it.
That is 3:52
